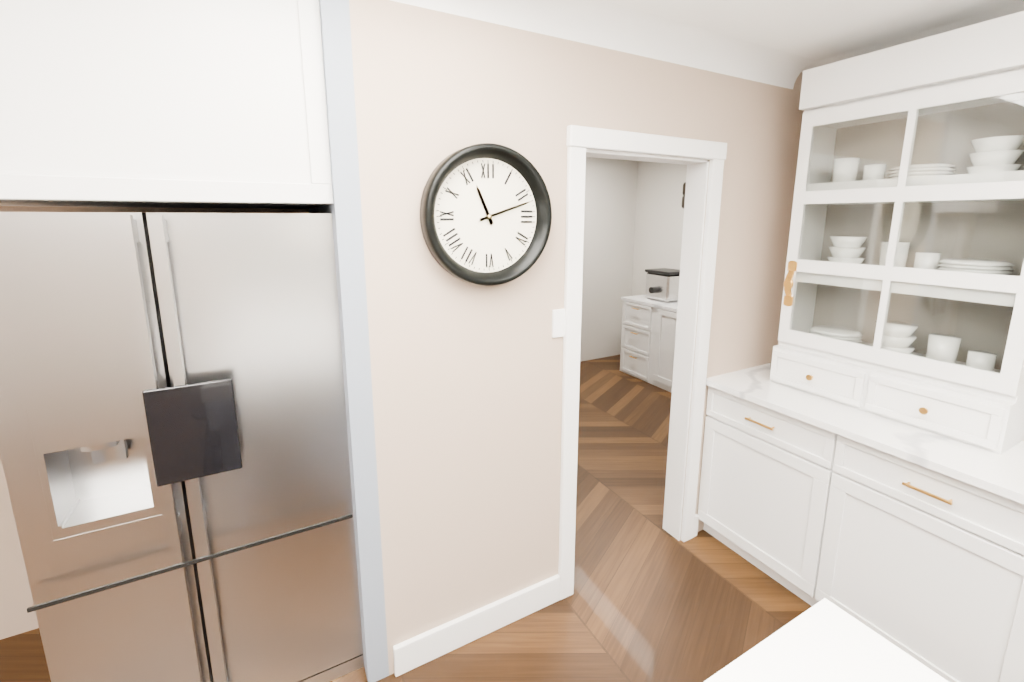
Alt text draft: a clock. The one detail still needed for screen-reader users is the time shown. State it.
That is 11:12
